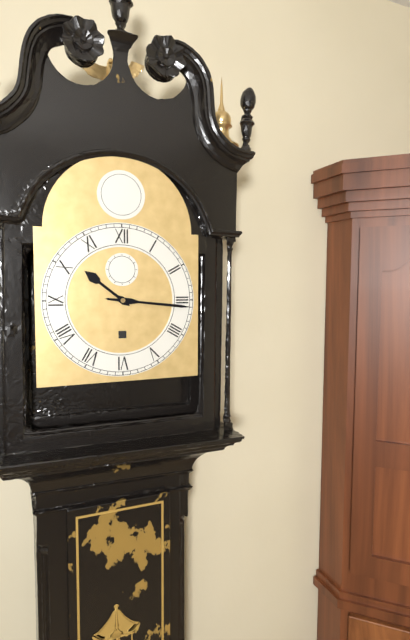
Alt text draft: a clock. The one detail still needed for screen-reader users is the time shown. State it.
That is 10:16
